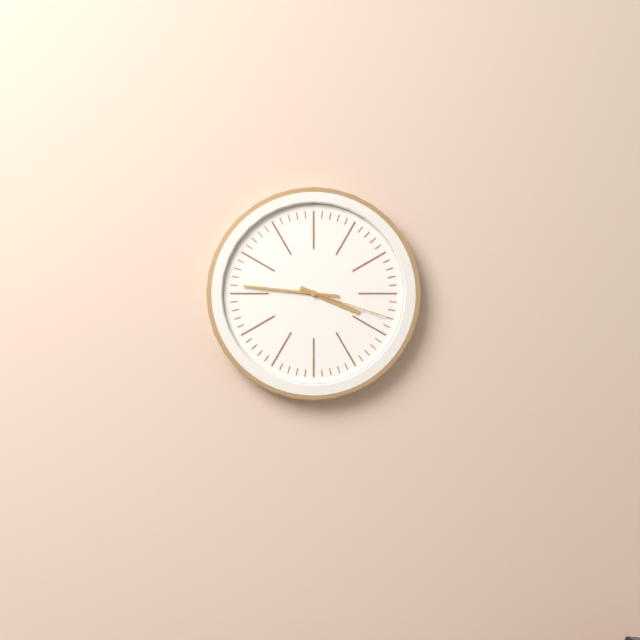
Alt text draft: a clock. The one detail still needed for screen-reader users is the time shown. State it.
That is 3:46:18
